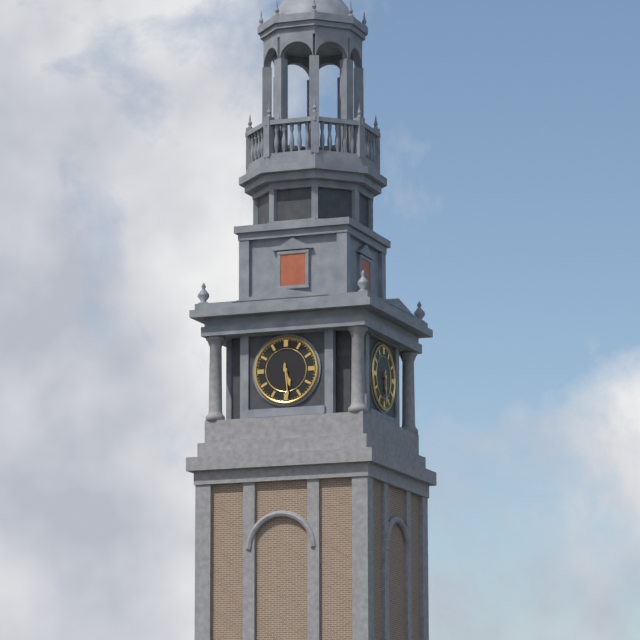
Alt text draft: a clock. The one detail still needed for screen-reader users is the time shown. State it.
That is 5:29
